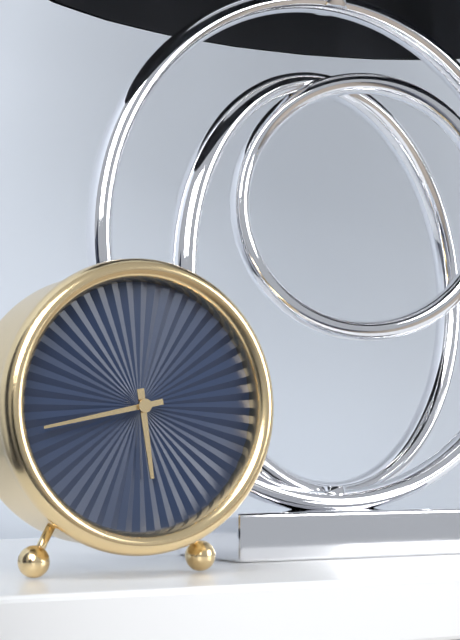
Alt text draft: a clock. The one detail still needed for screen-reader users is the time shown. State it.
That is 5:43
